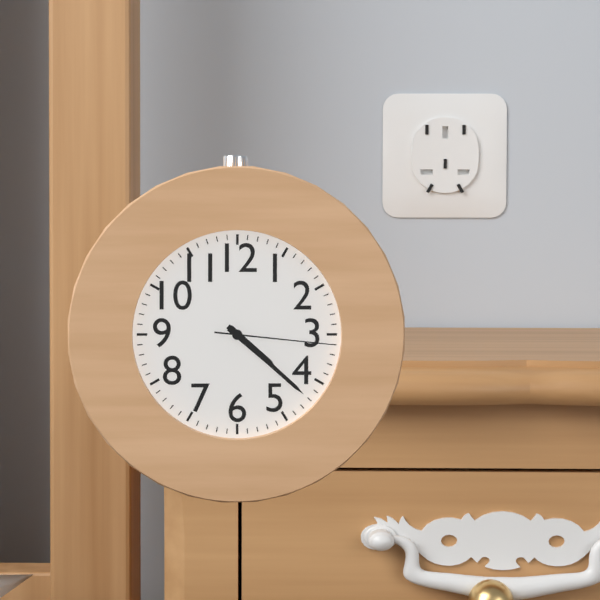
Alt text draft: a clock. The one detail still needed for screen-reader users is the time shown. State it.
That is 4:22:16
